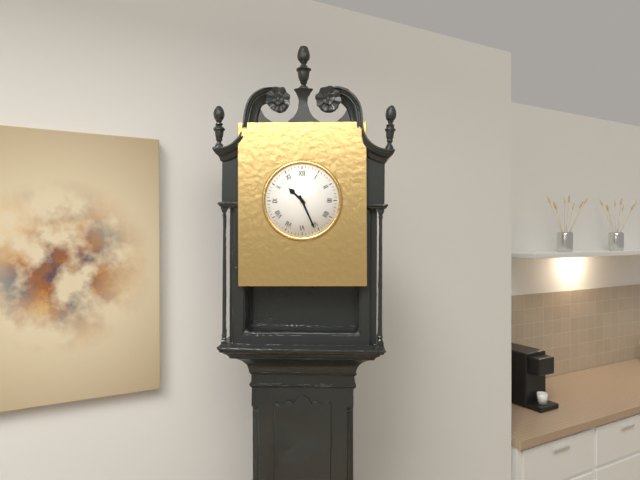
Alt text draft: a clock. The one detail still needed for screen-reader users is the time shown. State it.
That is 10:26
